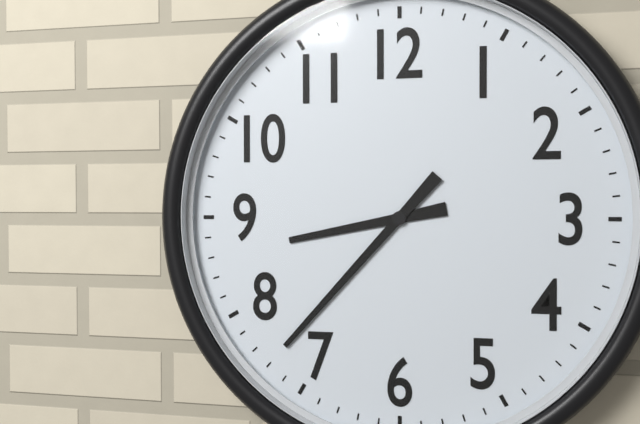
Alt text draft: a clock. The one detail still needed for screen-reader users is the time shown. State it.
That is 8:37
